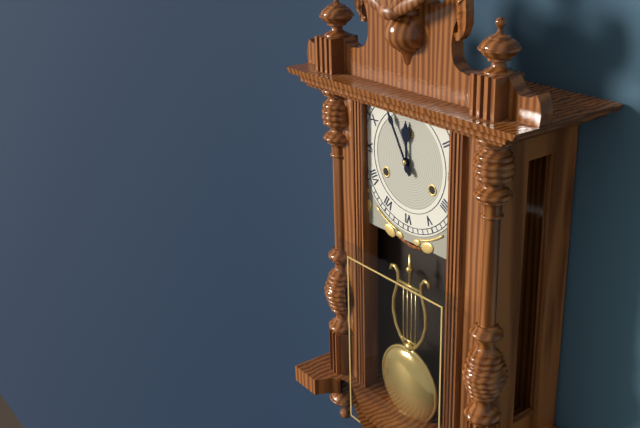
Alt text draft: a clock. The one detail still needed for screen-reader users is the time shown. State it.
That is 11:55
